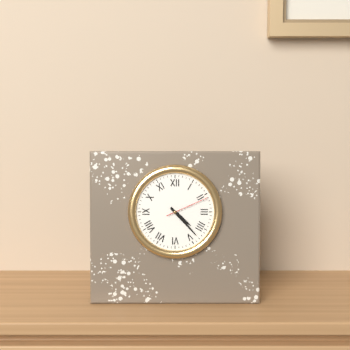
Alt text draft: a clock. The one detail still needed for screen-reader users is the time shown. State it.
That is 4:23
